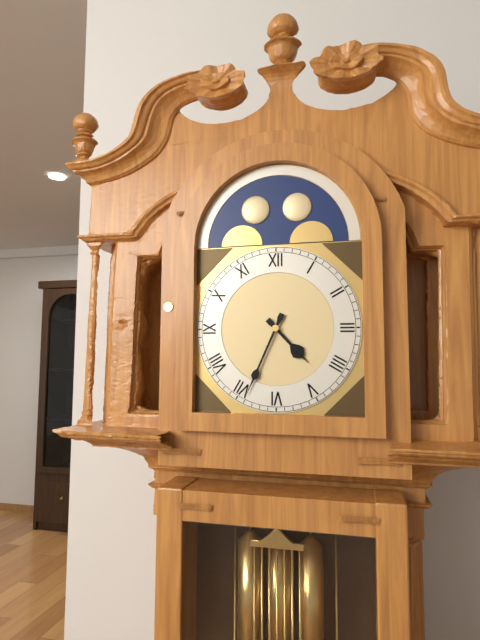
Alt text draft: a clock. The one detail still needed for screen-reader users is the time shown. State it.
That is 4:34
